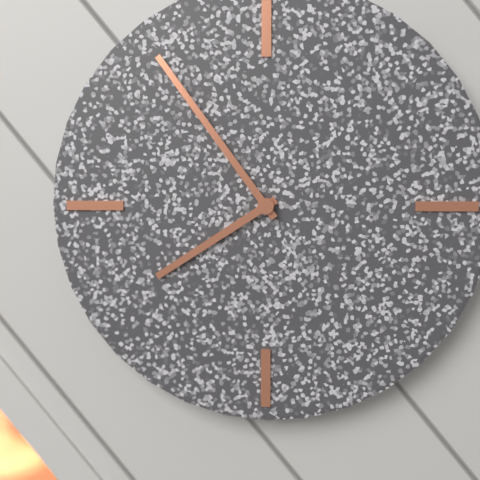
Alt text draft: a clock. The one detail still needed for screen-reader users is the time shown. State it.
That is 7:54
